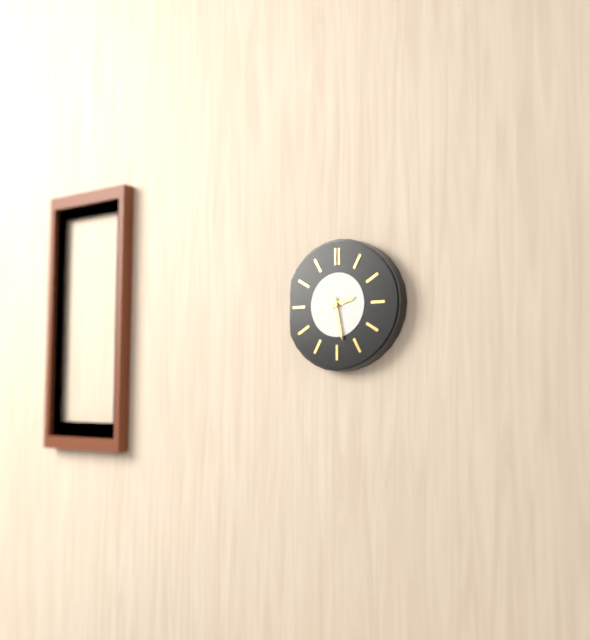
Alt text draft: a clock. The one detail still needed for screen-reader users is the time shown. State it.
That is 2:28
